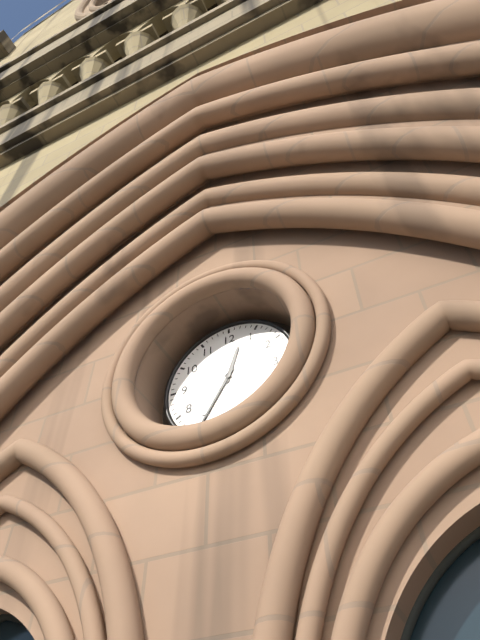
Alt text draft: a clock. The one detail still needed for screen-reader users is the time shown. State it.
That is 12:35
